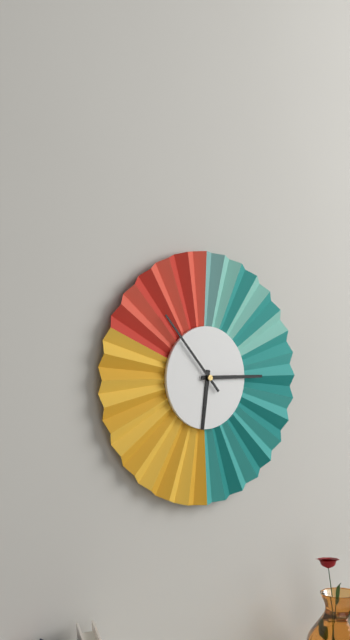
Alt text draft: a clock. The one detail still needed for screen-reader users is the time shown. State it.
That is 6:15:53
